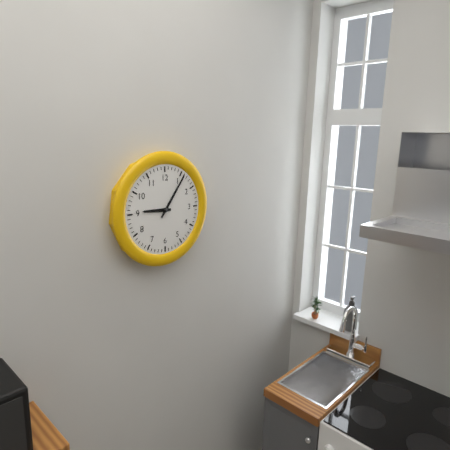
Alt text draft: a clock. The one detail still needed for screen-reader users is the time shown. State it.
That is 9:06
